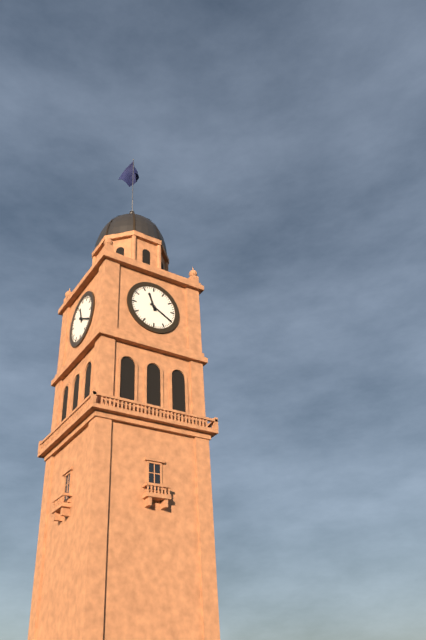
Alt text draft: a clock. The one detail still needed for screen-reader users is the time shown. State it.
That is 11:20
